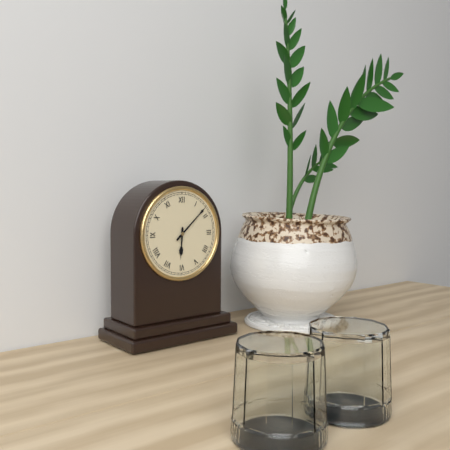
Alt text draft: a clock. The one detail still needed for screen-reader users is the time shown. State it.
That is 6:08
